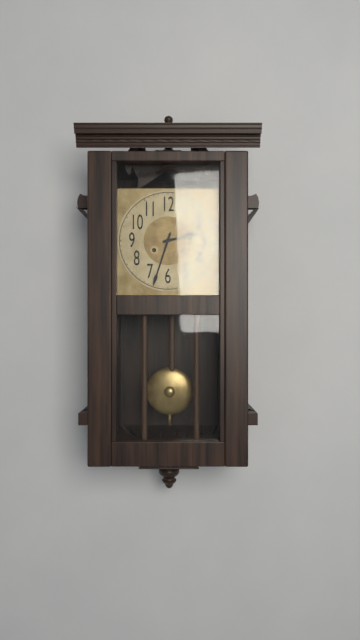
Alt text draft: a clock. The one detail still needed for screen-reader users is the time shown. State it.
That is 2:33
